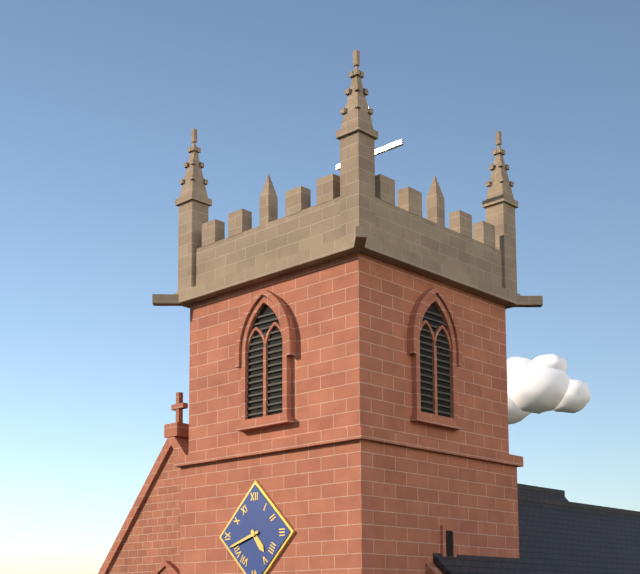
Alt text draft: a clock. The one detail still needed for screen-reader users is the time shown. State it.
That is 4:42
